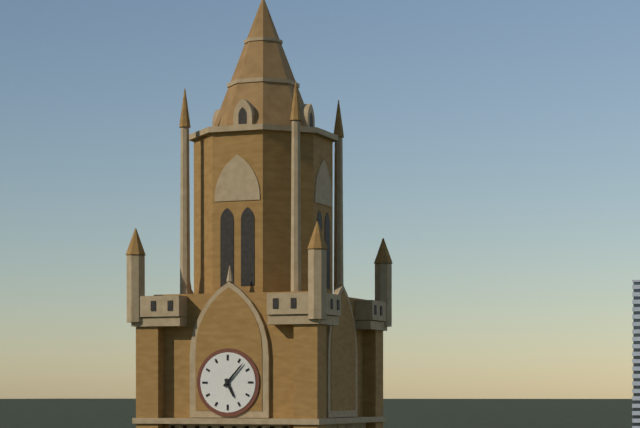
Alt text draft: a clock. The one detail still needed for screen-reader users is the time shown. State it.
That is 5:07
